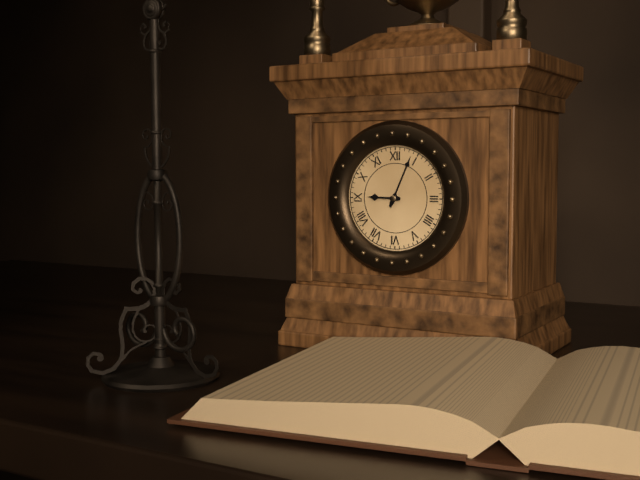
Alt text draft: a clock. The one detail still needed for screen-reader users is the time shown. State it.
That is 9:04
